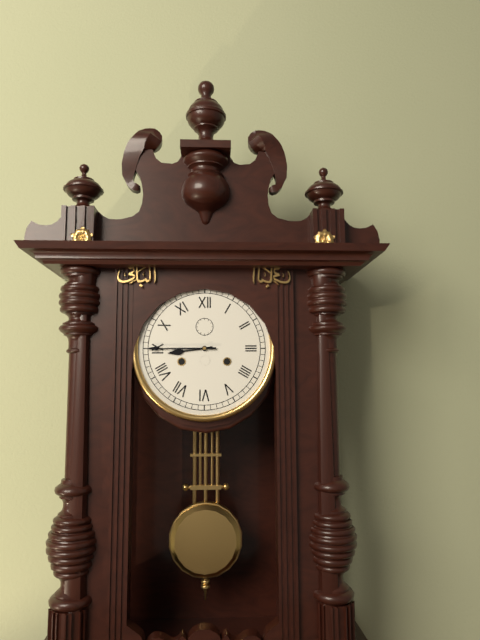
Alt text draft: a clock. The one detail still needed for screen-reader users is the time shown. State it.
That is 8:45
